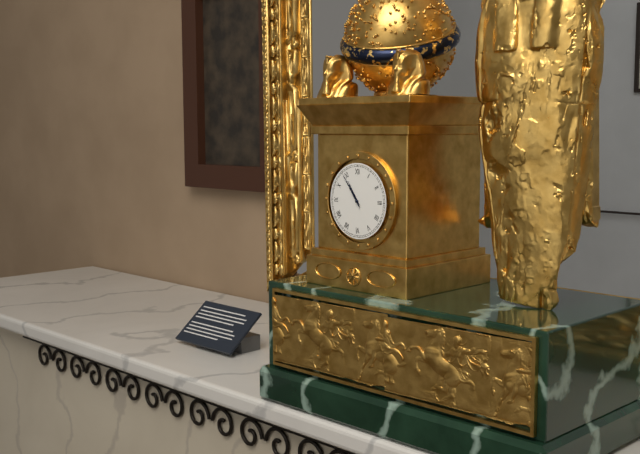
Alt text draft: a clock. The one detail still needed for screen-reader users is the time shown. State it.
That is 10:54
